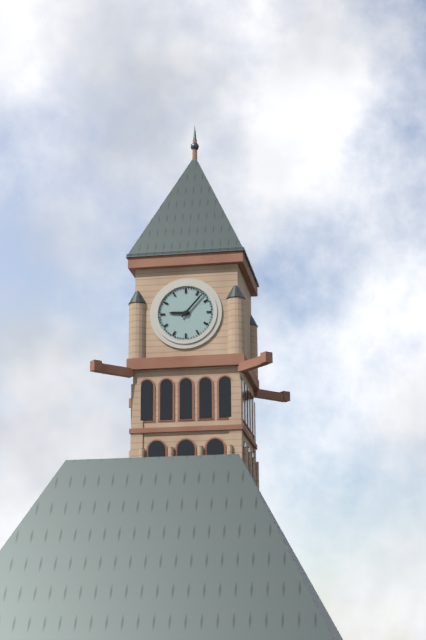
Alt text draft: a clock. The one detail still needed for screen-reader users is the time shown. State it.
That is 9:07
